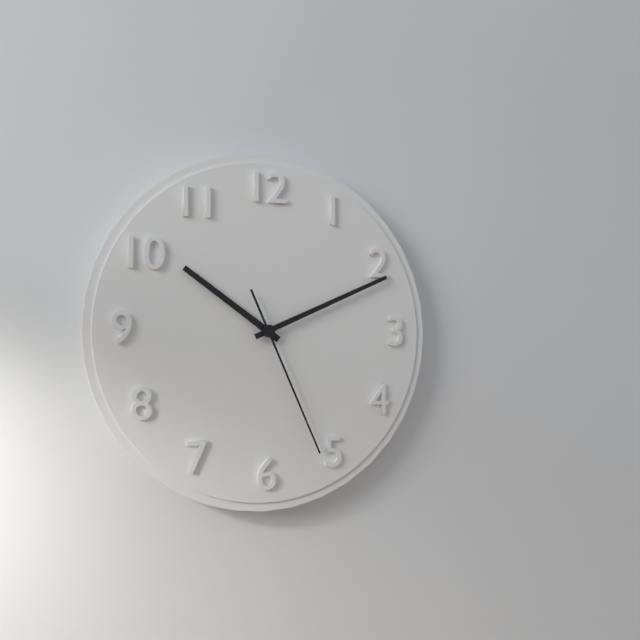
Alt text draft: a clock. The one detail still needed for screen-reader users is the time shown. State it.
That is 10:11:26
